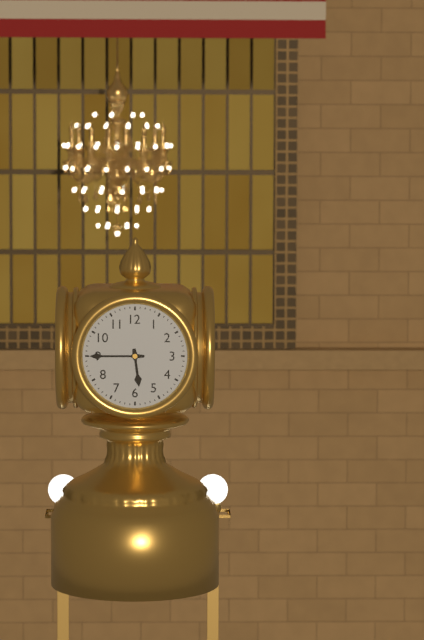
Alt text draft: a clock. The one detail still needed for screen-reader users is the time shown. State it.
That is 5:45
